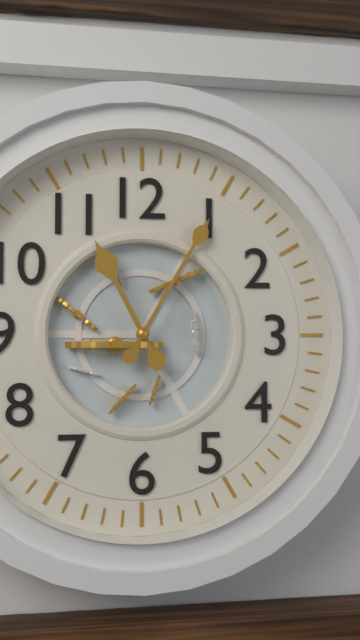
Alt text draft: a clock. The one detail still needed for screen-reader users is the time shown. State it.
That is 11:05
